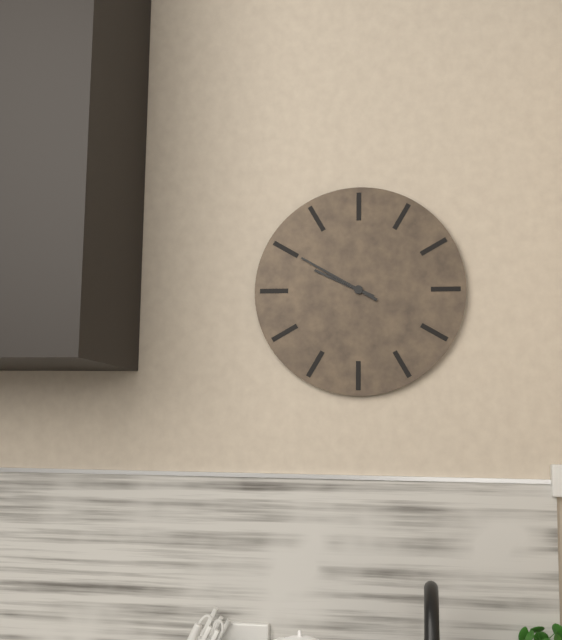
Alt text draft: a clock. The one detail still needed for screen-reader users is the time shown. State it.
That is 9:50
